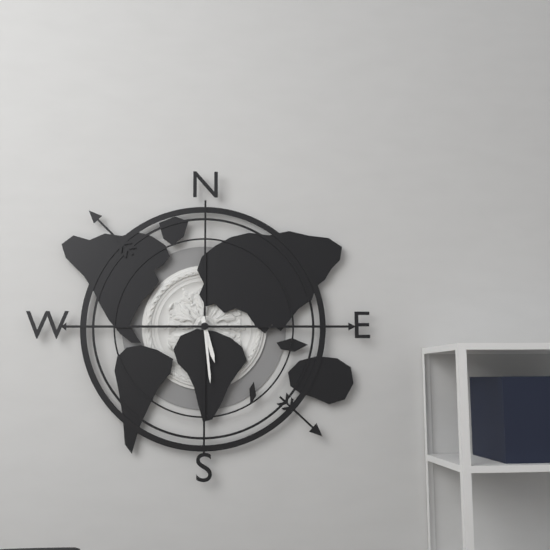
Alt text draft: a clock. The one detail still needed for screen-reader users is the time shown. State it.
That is 5:29
